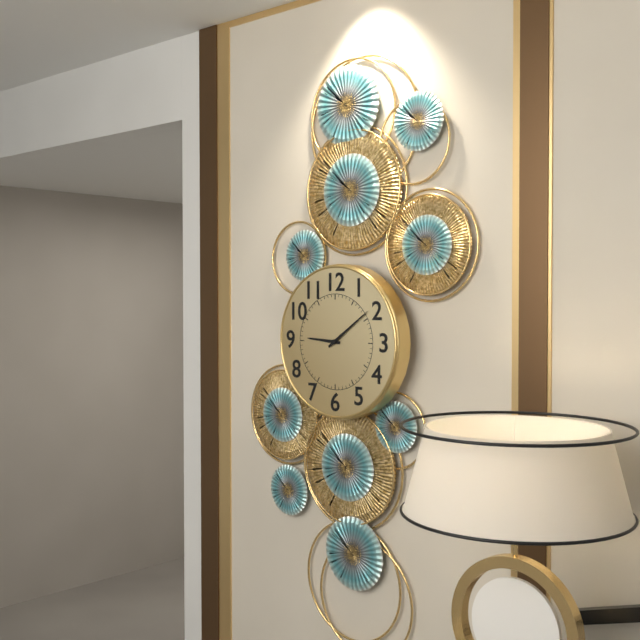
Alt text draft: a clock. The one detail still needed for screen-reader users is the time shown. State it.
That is 9:09
